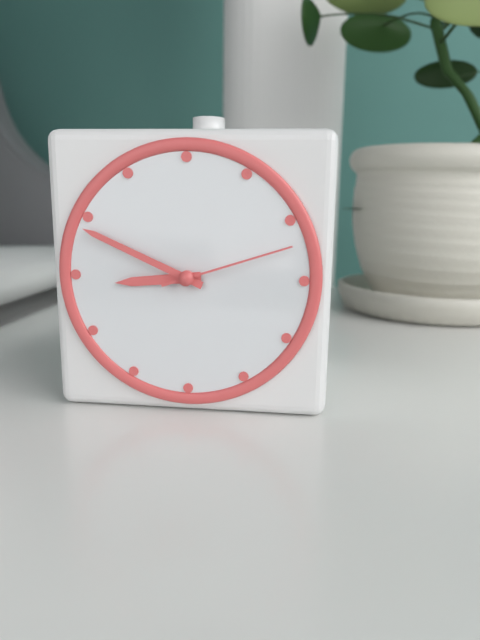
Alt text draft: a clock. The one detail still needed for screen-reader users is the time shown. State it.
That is 8:49:12
